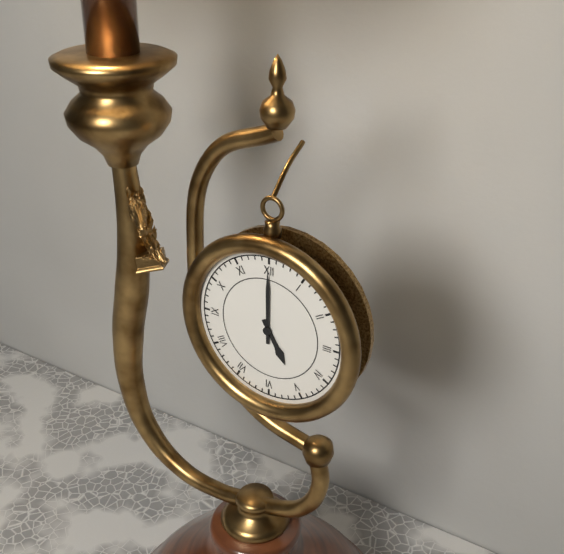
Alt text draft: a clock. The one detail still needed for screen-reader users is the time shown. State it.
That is 5:00
